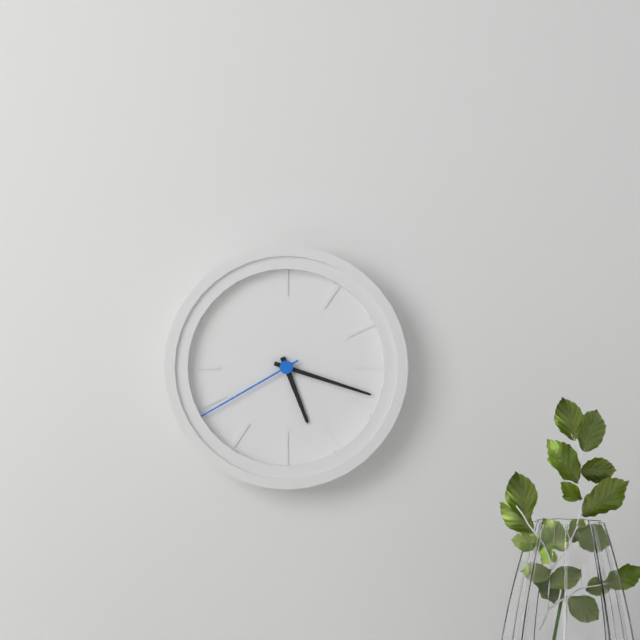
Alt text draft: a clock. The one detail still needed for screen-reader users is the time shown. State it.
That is 5:18:40
